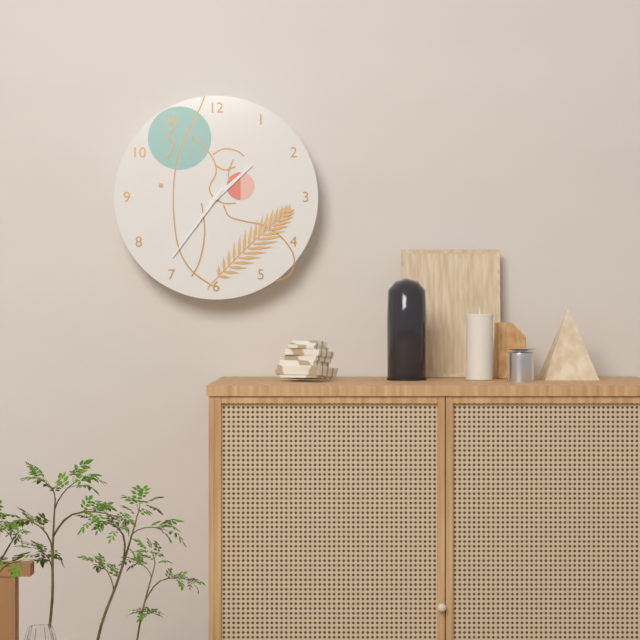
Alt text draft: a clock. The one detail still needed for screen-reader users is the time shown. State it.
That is 1:36
